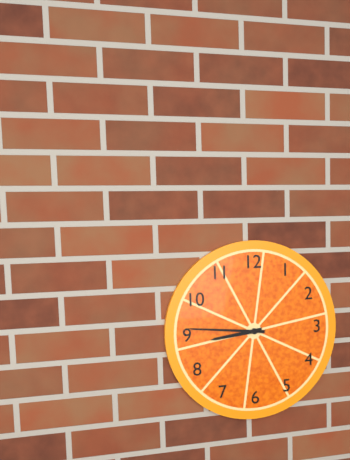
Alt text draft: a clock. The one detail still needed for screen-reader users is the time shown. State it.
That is 8:46
